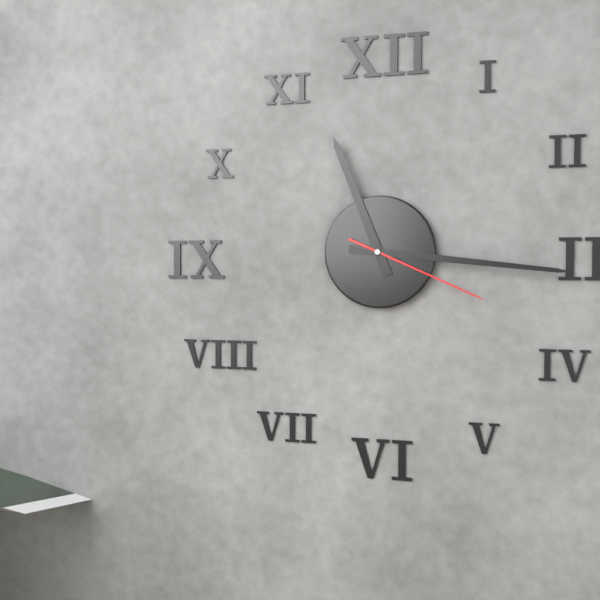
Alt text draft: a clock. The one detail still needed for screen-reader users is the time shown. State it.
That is 11:16:19
